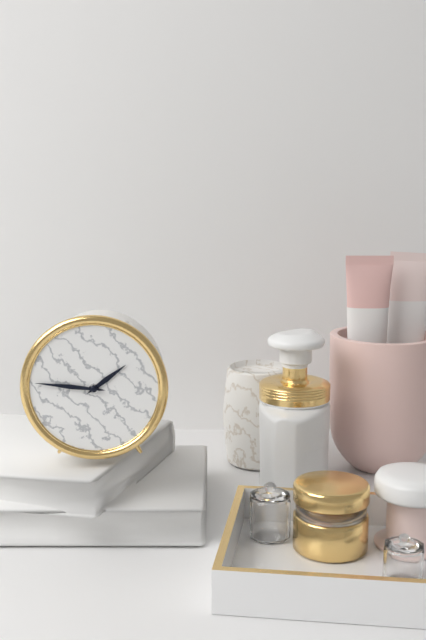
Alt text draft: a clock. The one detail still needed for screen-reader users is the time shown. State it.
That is 1:46
